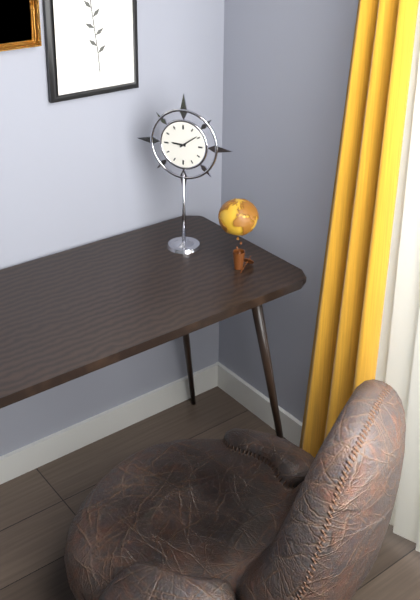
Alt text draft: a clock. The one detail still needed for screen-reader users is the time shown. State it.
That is 9:09
